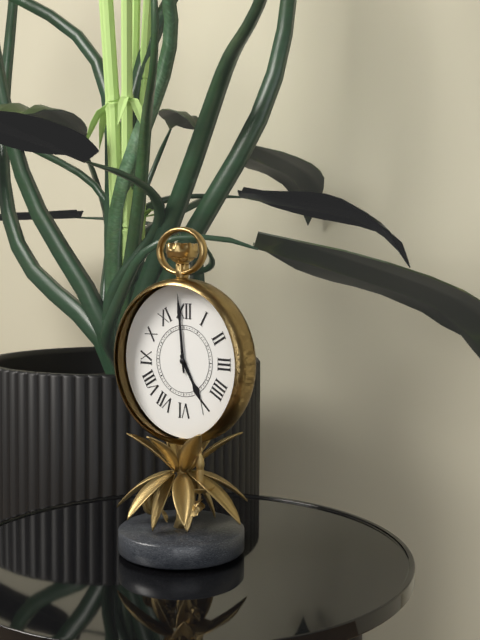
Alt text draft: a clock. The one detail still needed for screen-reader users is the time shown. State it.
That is 4:59
